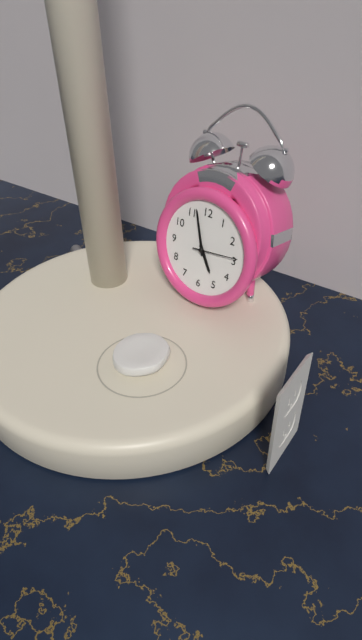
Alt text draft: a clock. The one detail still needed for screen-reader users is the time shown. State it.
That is 4:57
